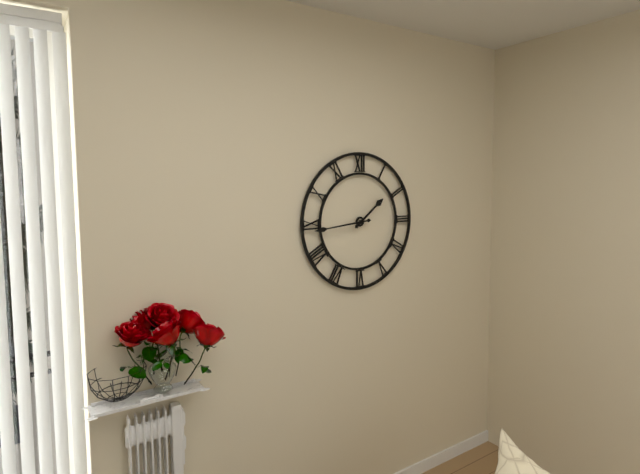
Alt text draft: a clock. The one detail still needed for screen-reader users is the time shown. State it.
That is 1:44
